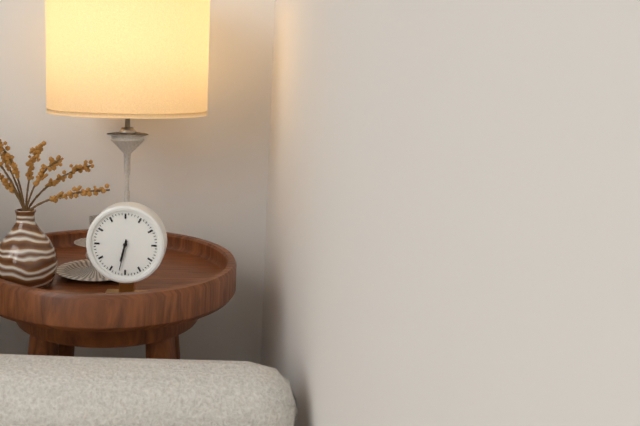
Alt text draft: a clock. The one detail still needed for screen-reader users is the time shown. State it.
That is 6:32
